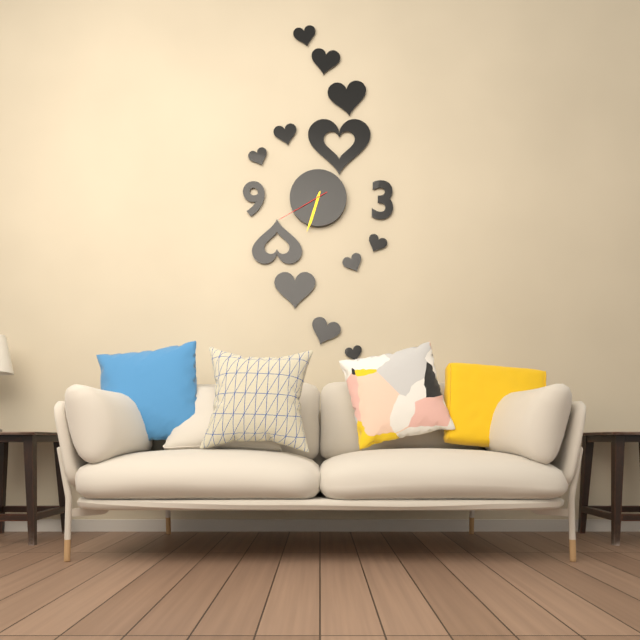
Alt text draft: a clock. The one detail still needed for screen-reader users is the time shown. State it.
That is 6:33:40
